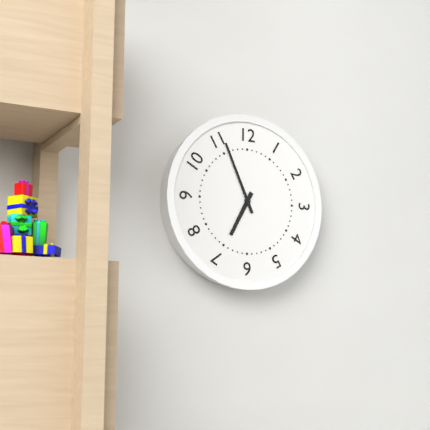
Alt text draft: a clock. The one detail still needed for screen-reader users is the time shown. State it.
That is 6:56
